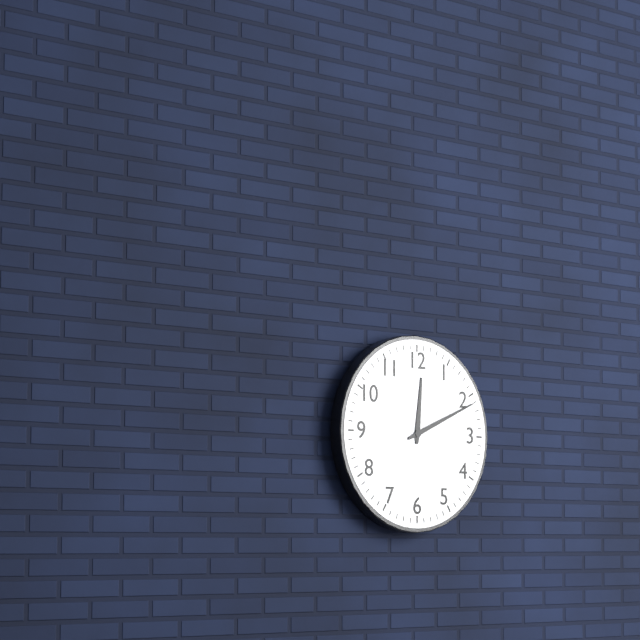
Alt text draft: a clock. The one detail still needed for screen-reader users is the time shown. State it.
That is 12:11
